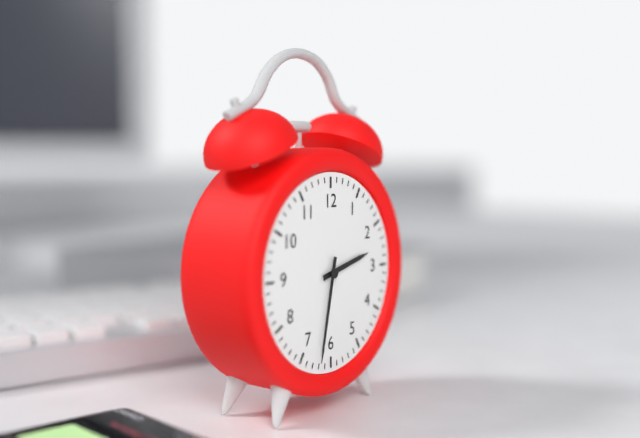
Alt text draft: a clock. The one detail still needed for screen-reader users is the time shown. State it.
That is 2:32
